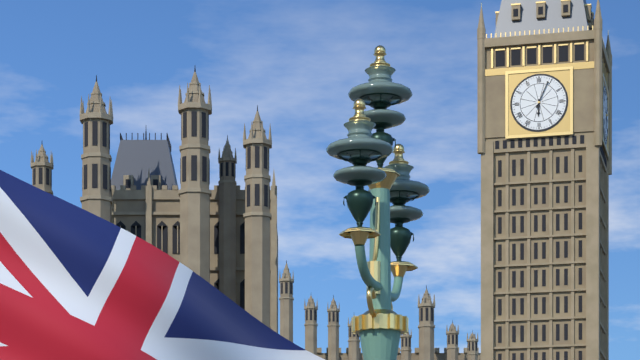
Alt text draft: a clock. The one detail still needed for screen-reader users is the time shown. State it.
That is 6:04
